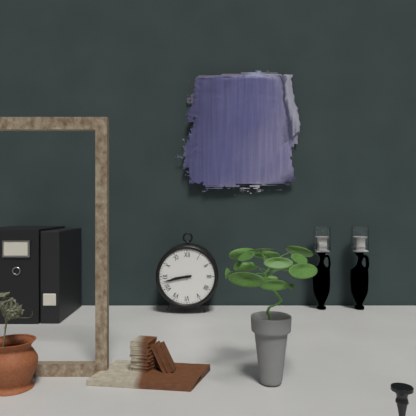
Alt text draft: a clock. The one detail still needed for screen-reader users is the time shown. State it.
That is 8:43
